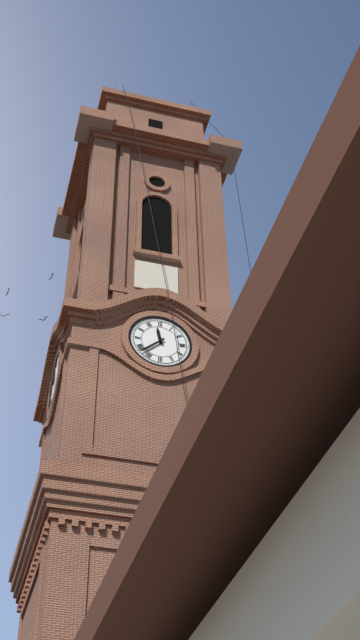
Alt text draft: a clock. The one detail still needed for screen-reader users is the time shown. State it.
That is 11:38
